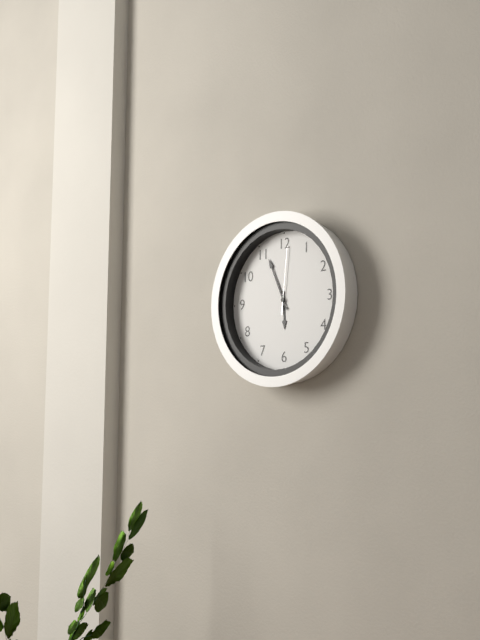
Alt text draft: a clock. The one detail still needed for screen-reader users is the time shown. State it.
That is 5:56:01
